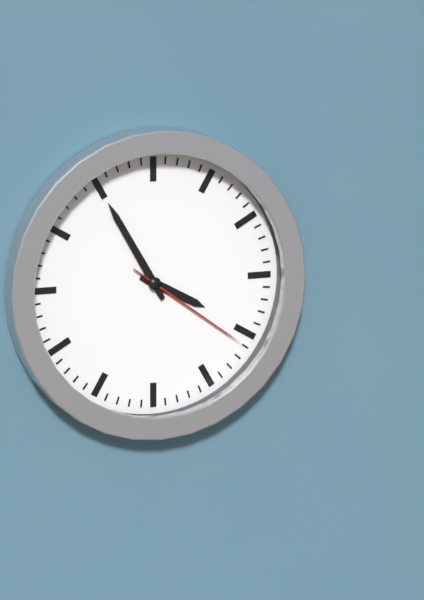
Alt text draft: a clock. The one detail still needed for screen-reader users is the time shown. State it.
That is 3:55:21
